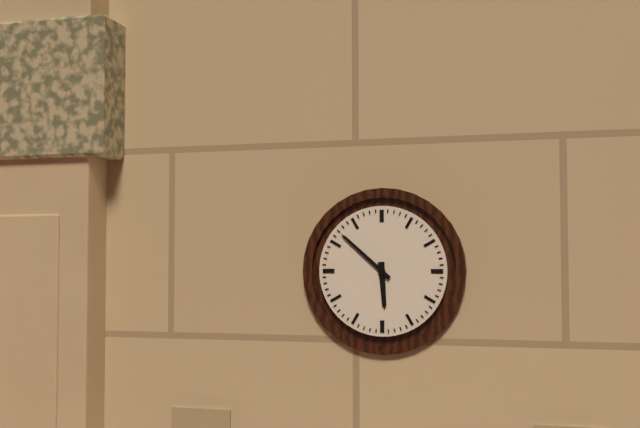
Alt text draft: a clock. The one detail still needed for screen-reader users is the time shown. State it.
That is 5:52
